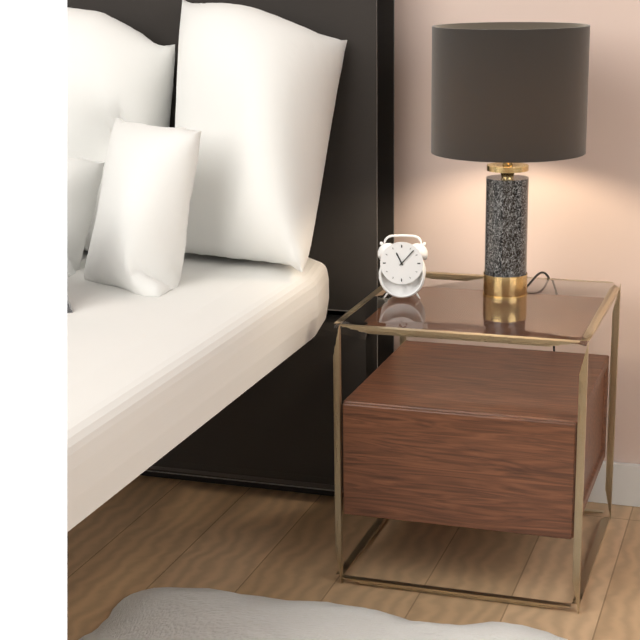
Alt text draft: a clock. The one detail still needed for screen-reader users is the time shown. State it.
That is 11:07
